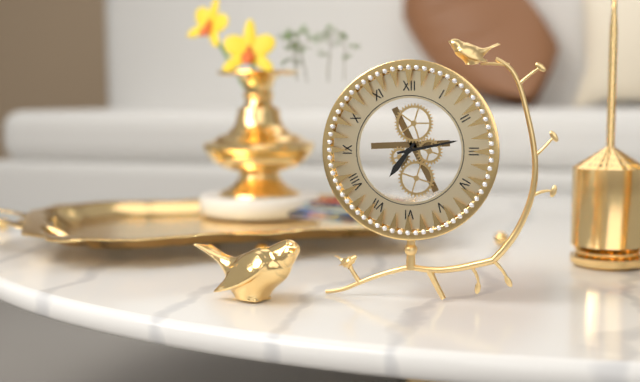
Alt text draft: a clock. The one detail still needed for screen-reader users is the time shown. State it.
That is 7:13
